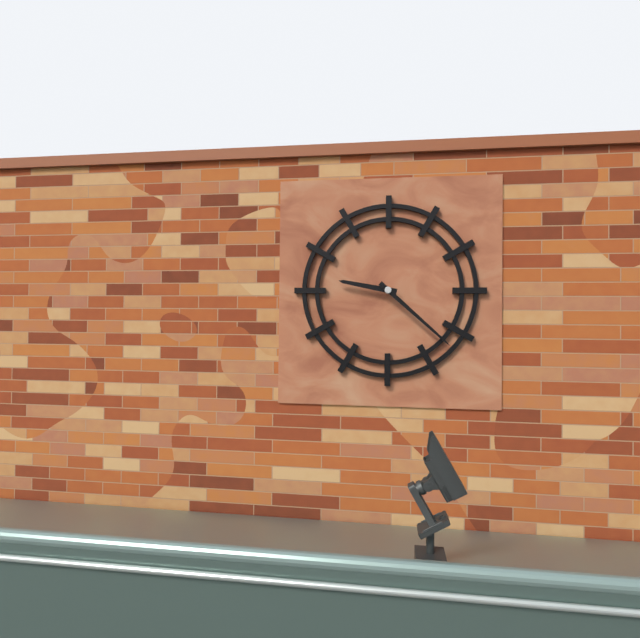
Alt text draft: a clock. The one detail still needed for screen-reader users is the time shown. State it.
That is 9:22
